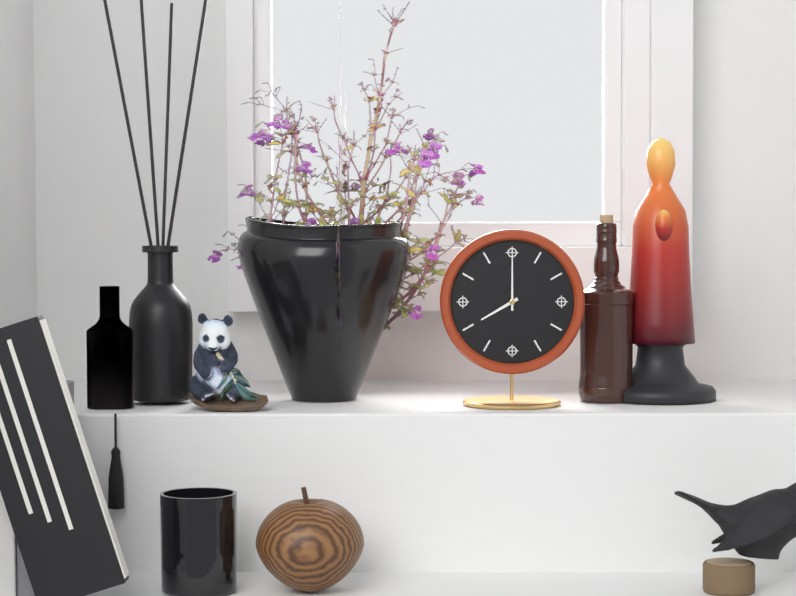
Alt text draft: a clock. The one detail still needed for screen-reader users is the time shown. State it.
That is 8:00
